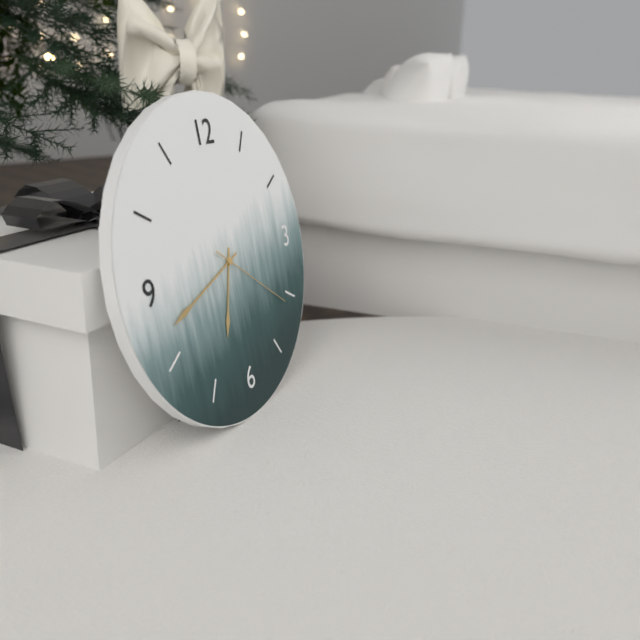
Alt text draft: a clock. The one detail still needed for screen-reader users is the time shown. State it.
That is 6:42:21
